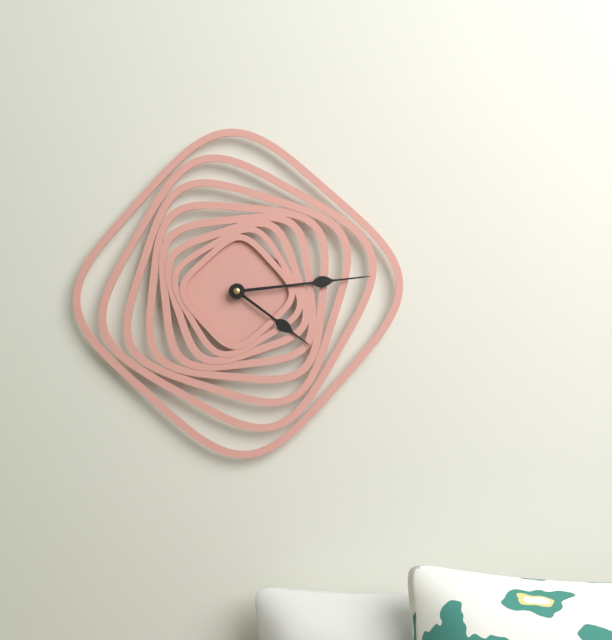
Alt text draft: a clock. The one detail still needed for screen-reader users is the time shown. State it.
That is 4:14
